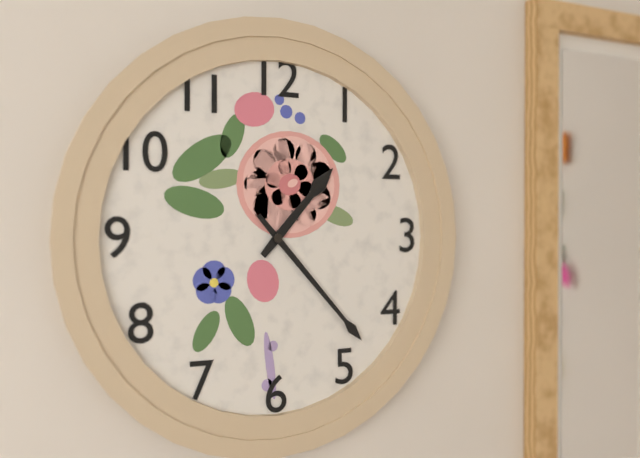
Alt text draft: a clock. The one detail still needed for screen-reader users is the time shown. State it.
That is 1:23
